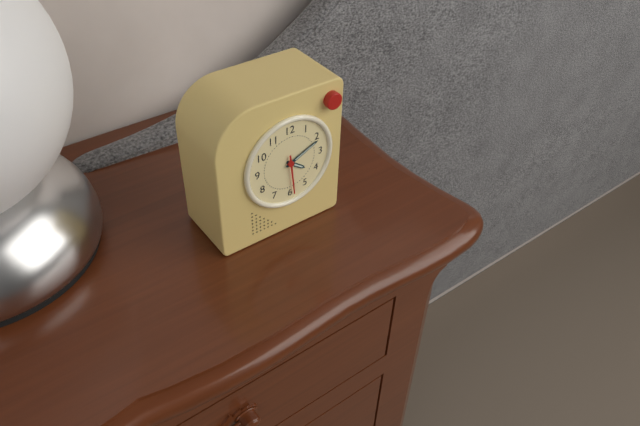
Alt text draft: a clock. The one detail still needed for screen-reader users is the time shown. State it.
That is 4:11
